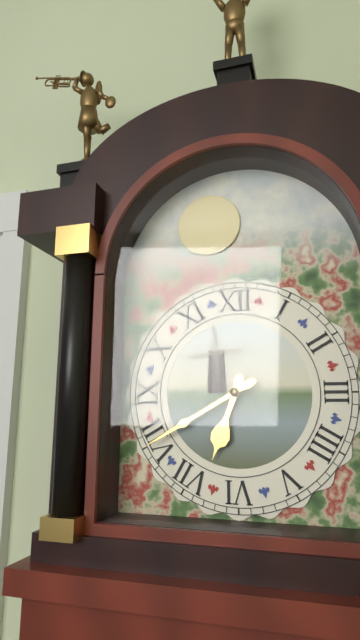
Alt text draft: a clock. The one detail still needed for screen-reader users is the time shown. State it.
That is 6:40
